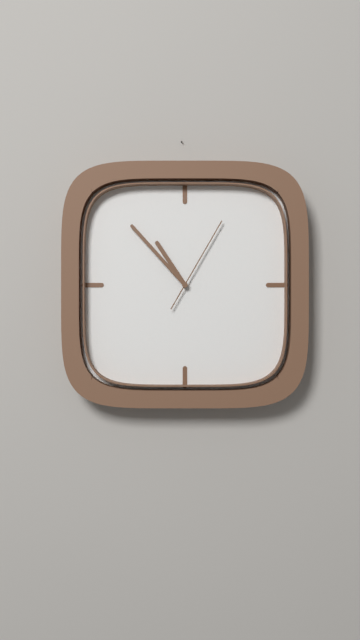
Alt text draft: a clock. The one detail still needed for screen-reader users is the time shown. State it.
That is 10:53:05
